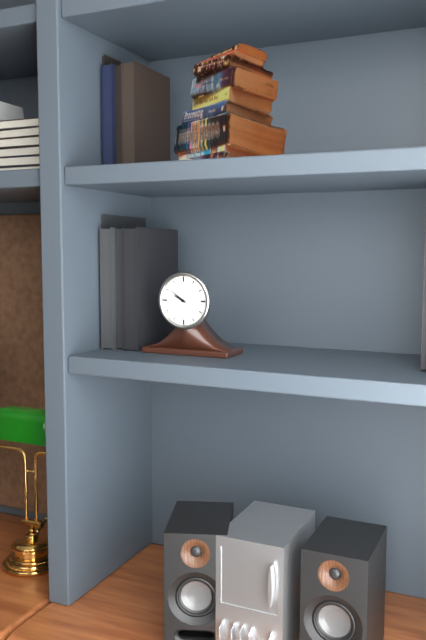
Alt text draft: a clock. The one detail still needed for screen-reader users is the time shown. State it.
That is 9:51
